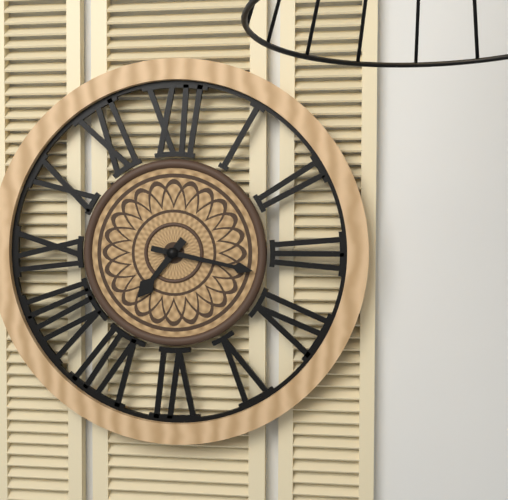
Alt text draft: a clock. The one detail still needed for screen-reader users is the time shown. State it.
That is 7:17
